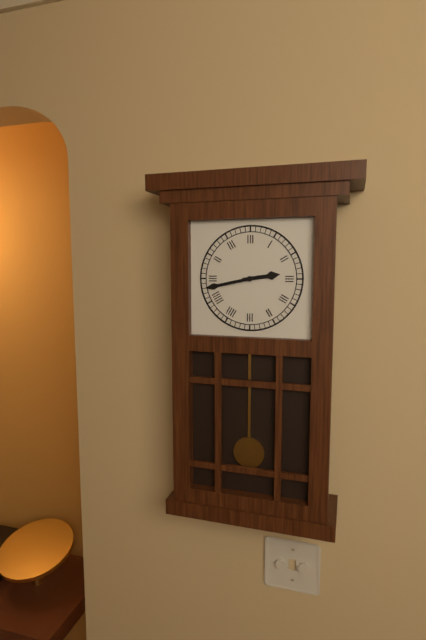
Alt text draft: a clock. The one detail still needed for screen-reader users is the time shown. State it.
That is 2:43
